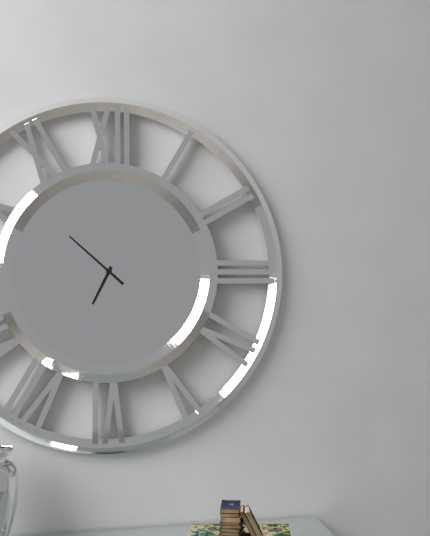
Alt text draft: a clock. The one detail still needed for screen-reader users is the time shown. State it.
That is 6:52
